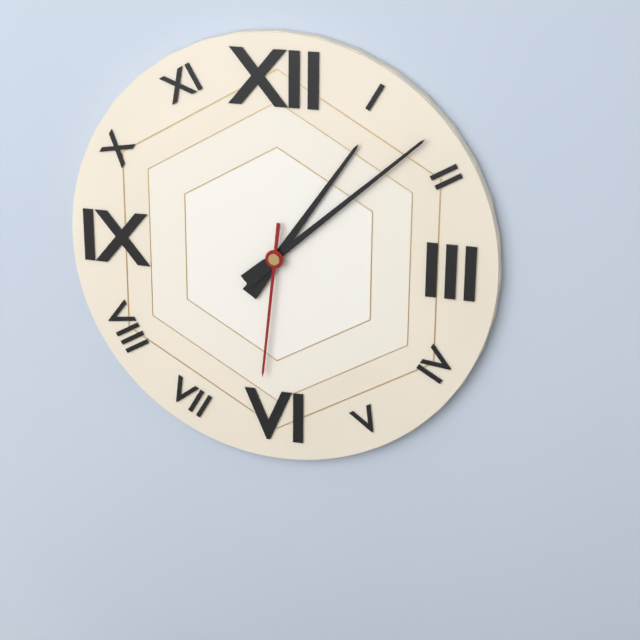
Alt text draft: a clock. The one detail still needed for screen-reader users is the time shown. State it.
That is 1:08:31
